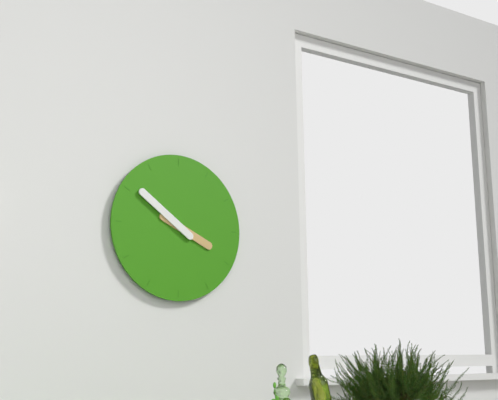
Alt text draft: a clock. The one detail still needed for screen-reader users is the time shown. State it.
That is 3:51
